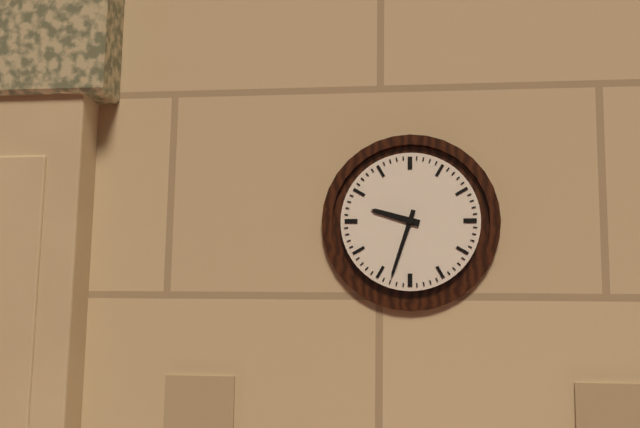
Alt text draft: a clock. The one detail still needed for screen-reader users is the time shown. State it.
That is 9:33
